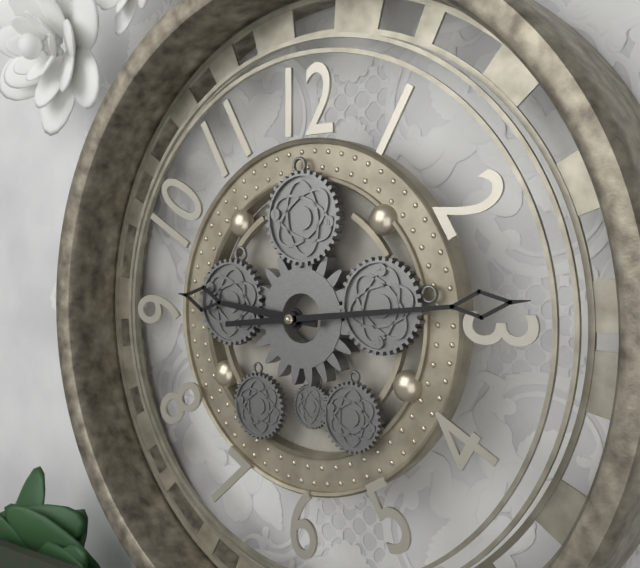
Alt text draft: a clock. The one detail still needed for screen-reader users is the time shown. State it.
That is 9:14
